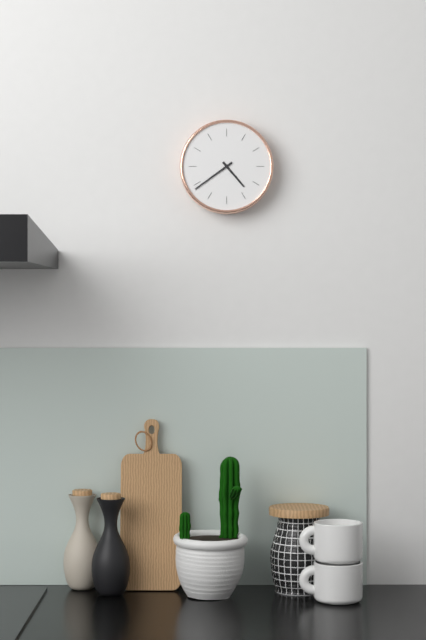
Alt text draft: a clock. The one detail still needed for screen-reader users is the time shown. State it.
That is 4:39
